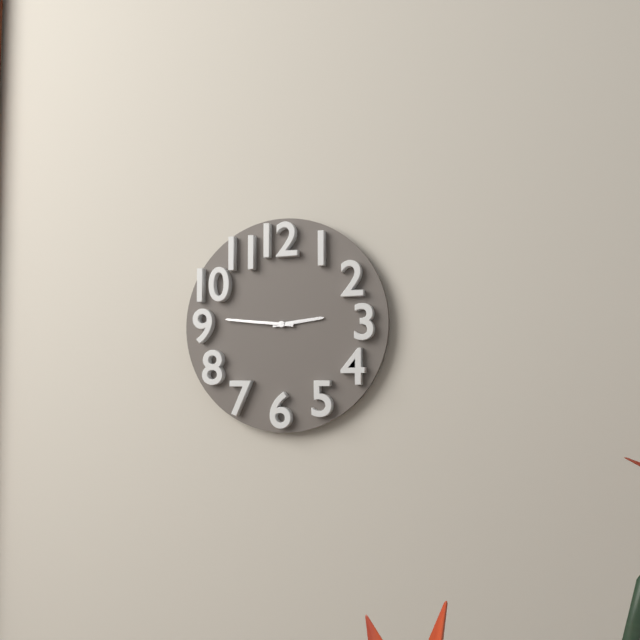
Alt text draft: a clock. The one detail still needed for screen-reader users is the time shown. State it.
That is 2:46
